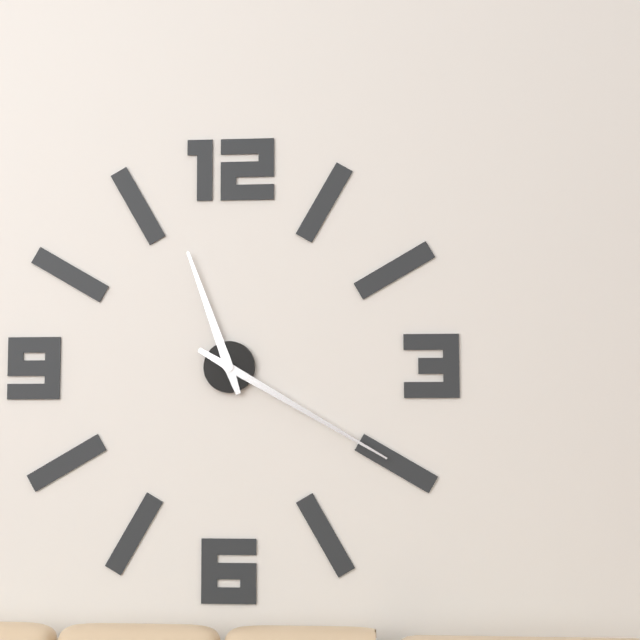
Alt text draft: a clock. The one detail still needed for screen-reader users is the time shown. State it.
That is 11:20
